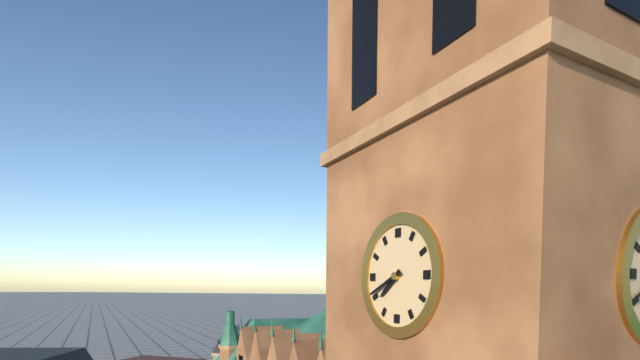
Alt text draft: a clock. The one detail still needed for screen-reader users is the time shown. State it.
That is 7:41
